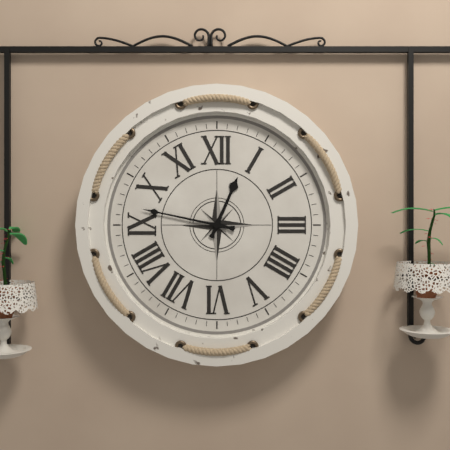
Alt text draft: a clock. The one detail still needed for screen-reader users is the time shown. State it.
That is 12:47
